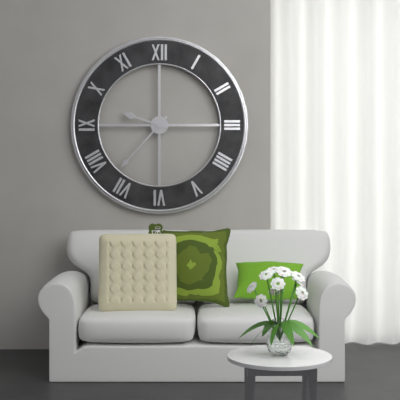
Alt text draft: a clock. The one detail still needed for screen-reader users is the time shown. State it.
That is 9:37
